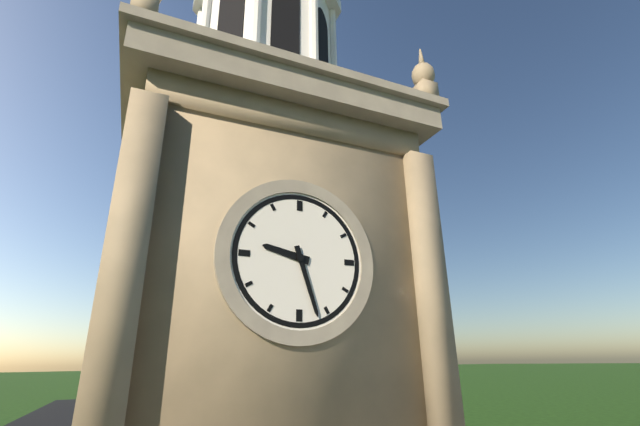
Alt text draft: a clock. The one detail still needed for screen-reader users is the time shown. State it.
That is 9:27
